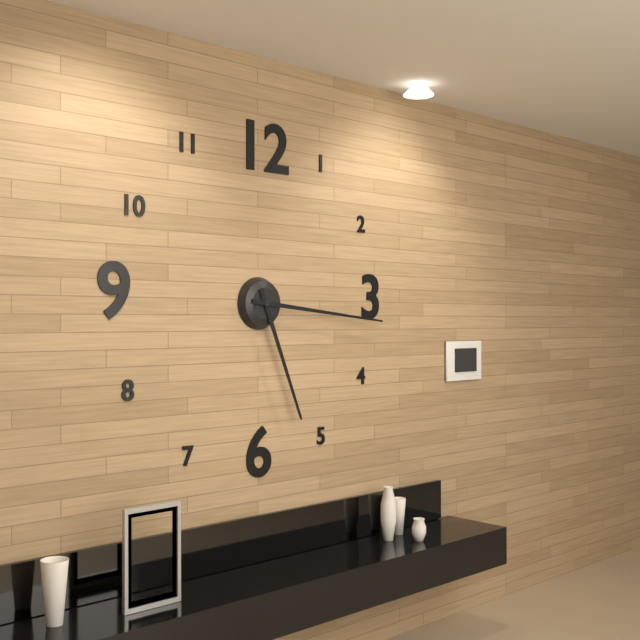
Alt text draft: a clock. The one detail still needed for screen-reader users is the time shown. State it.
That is 5:16
